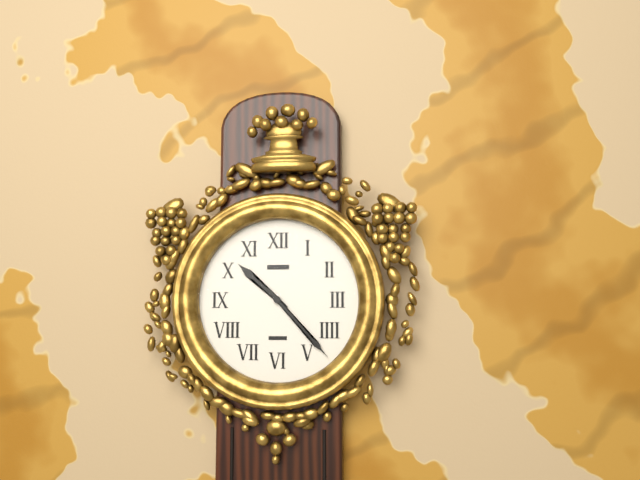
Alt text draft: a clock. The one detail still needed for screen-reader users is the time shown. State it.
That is 10:23
